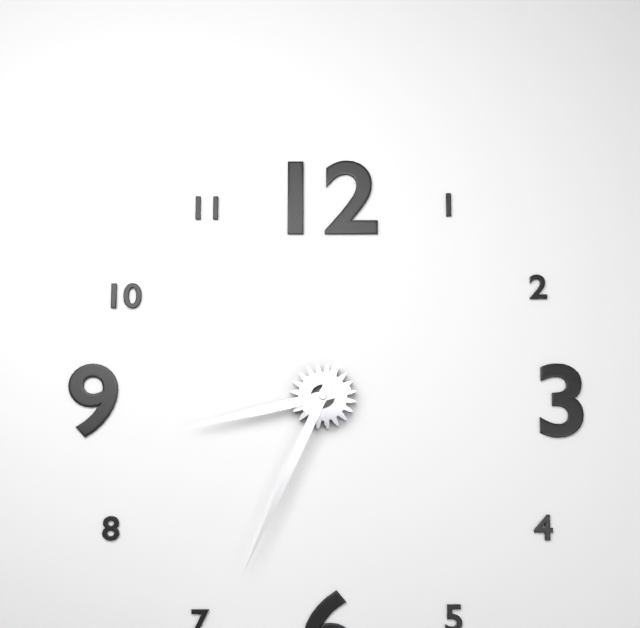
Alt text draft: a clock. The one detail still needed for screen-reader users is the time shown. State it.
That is 8:34
